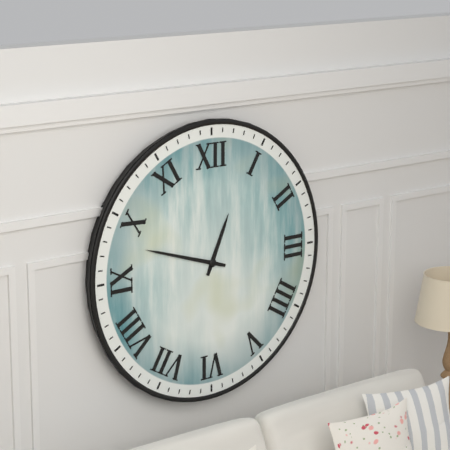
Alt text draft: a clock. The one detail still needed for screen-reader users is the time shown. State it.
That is 12:48
